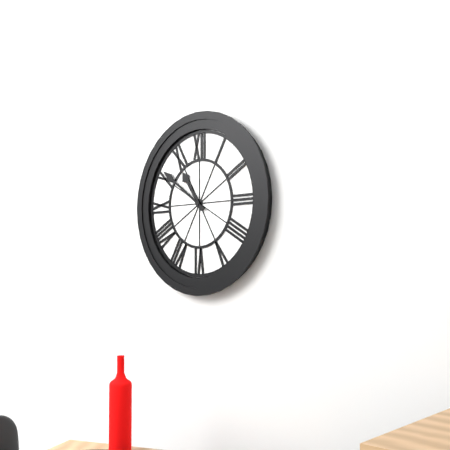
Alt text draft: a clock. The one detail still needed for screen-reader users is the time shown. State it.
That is 10:51
